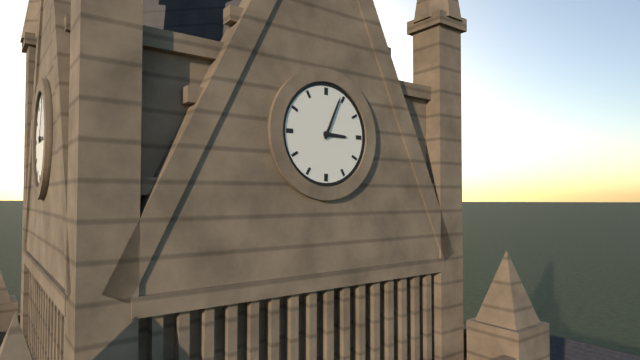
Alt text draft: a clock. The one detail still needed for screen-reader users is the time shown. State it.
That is 3:04
